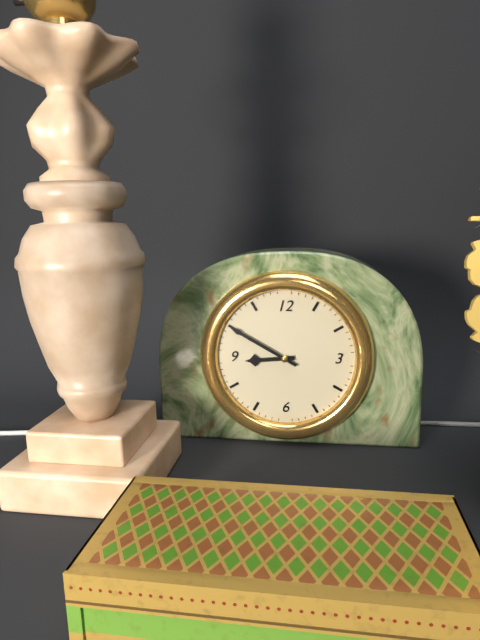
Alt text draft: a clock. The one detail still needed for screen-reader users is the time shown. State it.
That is 8:50
